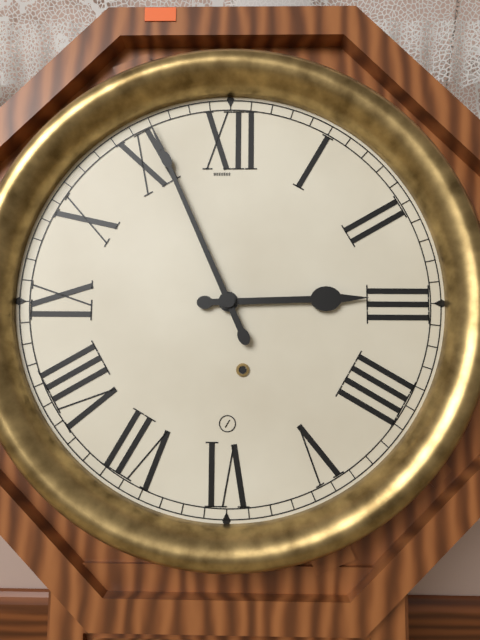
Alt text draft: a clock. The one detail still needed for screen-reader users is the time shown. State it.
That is 2:56
